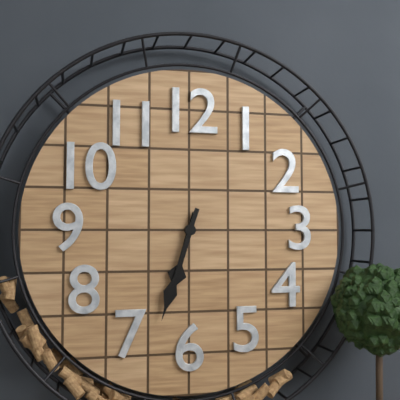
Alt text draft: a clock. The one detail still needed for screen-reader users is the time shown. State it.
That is 6:33
